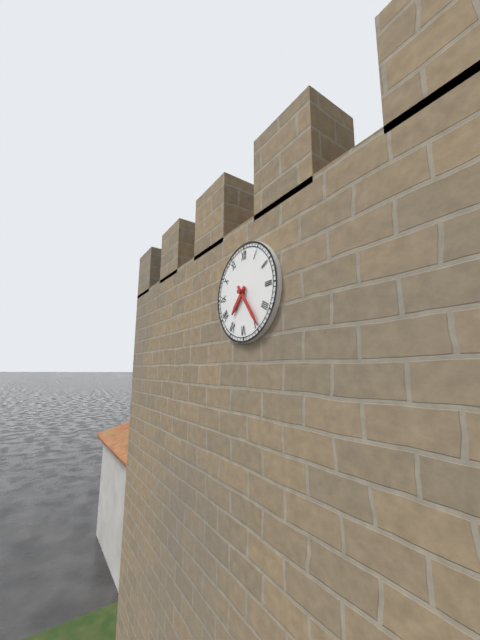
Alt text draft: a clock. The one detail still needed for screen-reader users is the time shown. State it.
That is 7:24
